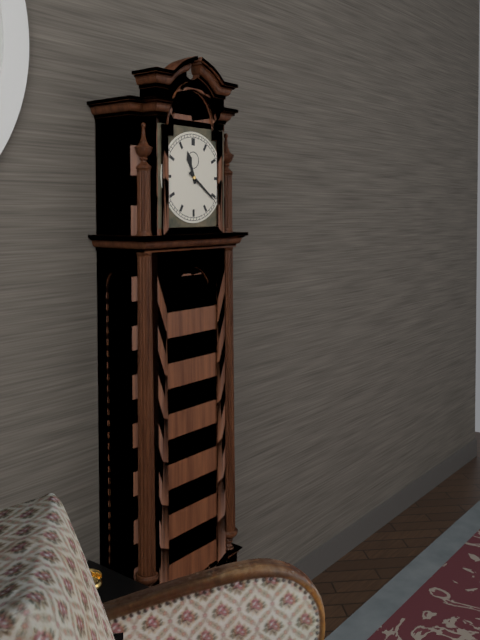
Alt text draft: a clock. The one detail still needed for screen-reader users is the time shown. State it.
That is 11:21
